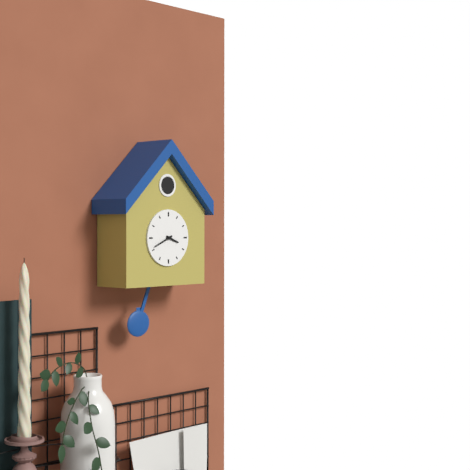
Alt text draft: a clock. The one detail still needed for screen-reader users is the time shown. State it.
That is 3:41
